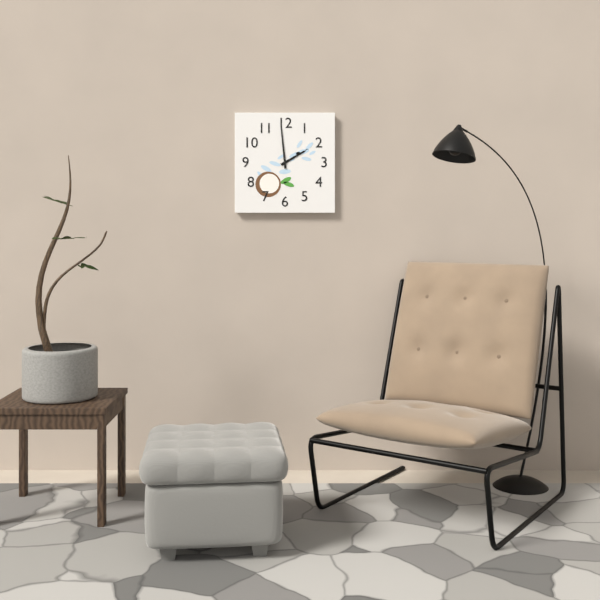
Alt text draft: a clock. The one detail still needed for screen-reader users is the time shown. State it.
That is 1:59
